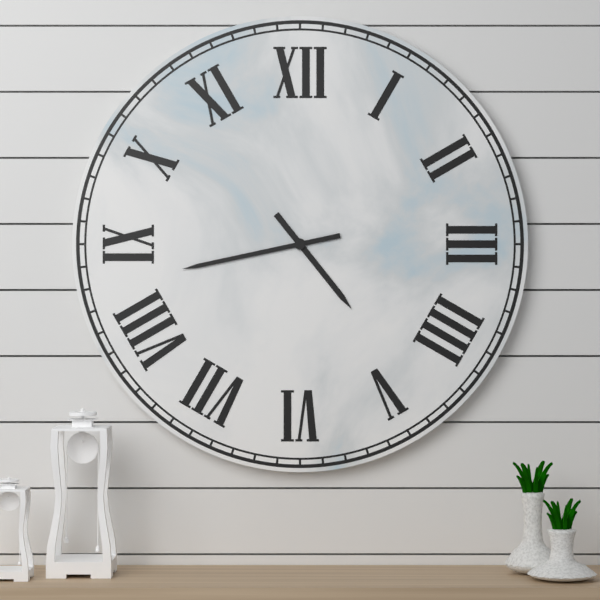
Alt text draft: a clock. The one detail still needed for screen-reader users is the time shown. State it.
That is 4:43
